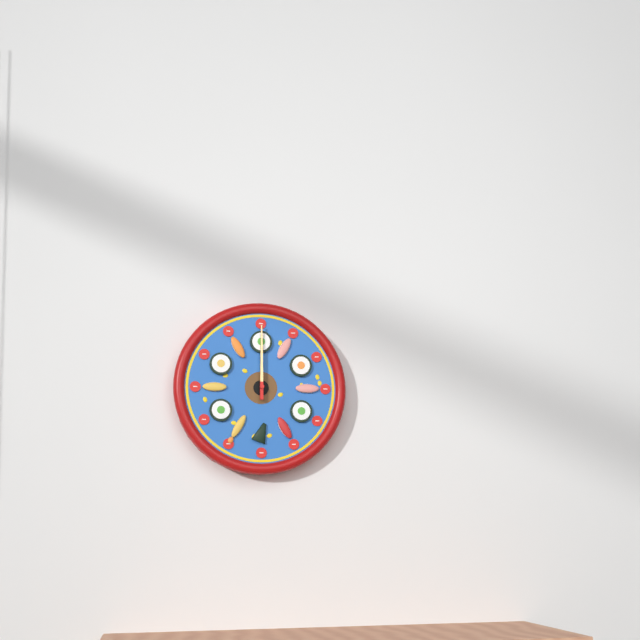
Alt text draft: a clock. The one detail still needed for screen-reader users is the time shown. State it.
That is 12:00
